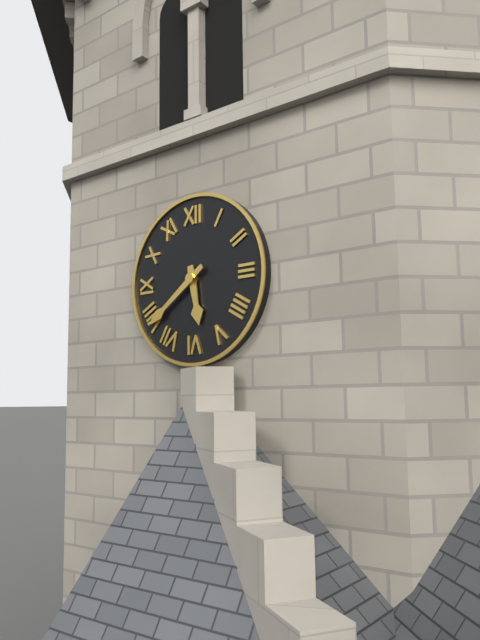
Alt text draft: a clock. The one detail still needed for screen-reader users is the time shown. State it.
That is 5:39
